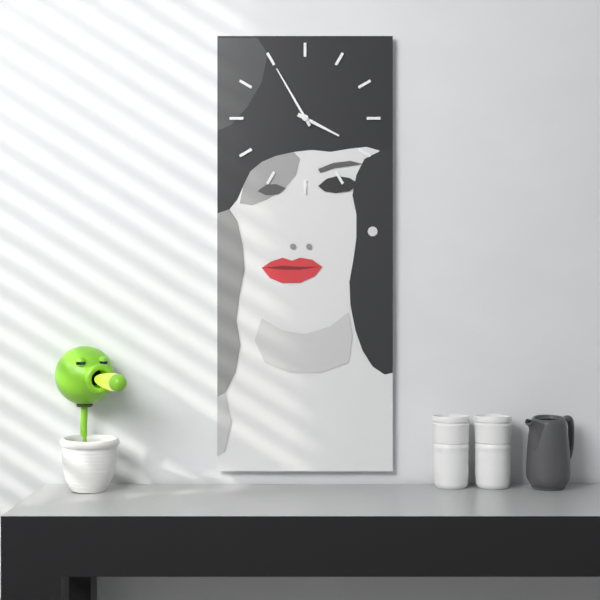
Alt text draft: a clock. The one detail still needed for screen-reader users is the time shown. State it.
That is 3:55
